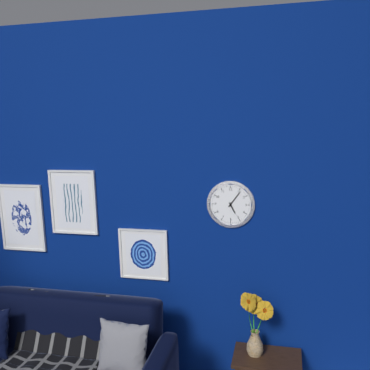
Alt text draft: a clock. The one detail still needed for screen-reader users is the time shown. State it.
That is 5:06
